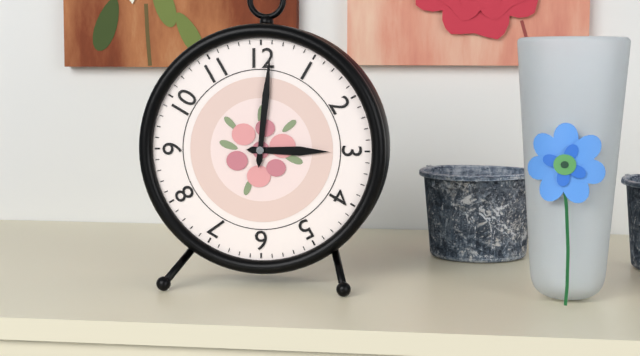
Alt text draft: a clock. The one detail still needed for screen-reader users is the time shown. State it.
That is 3:01
